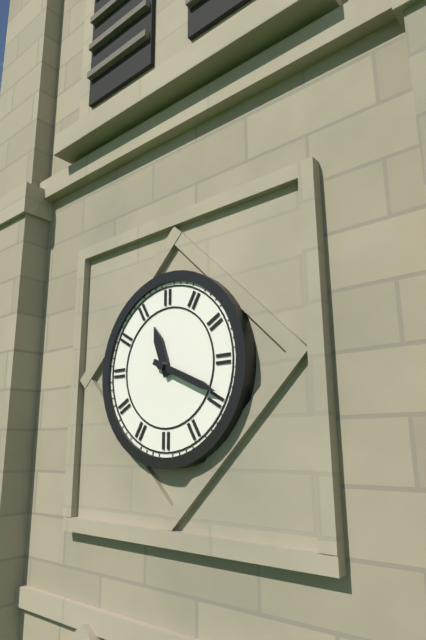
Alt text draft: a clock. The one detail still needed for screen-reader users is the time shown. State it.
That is 11:19
